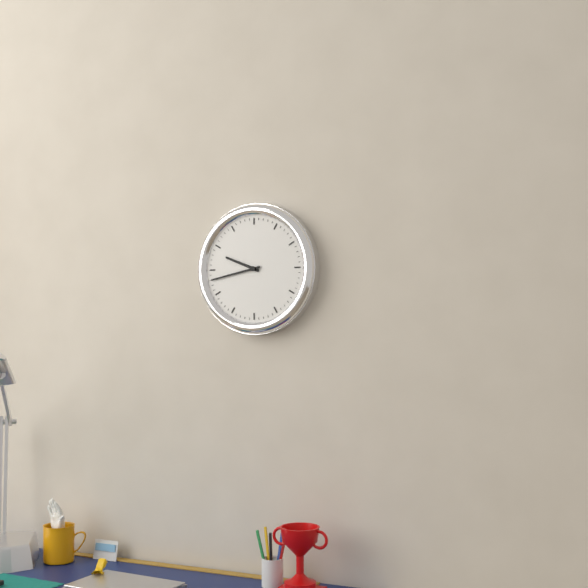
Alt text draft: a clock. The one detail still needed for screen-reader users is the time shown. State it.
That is 9:43
